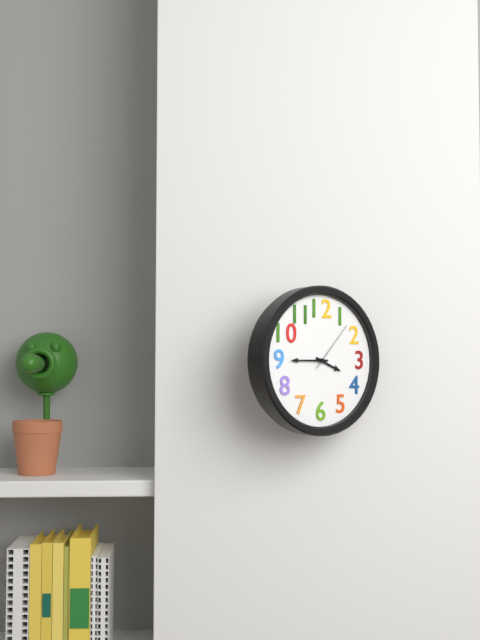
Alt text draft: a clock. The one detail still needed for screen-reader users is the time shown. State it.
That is 3:45:07
